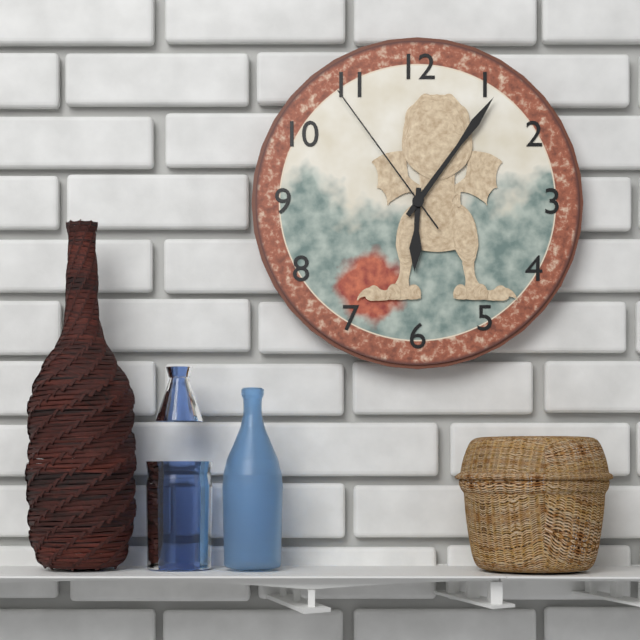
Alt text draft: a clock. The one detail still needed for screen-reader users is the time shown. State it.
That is 6:06:54
